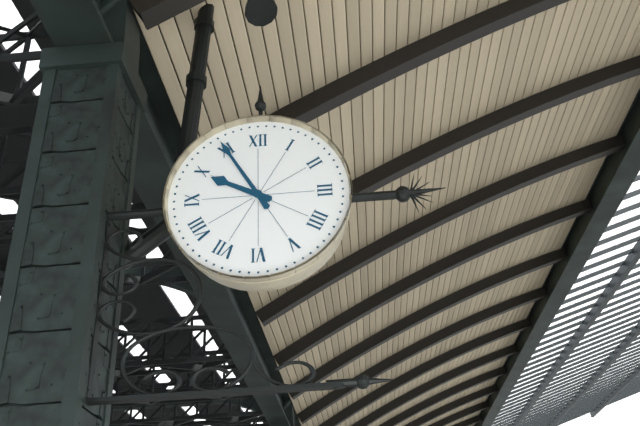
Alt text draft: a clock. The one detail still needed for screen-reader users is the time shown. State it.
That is 9:55
